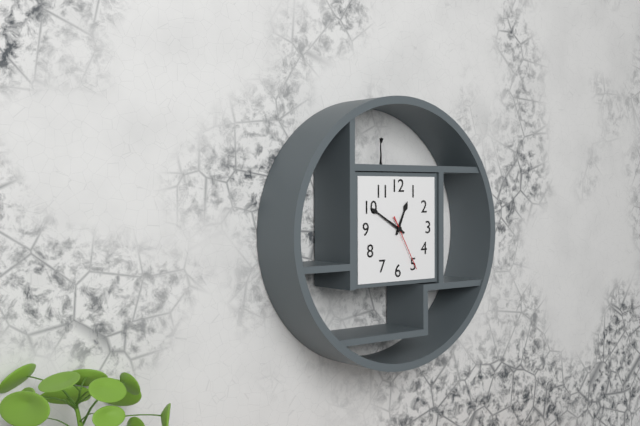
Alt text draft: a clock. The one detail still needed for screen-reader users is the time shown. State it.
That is 12:50:25
